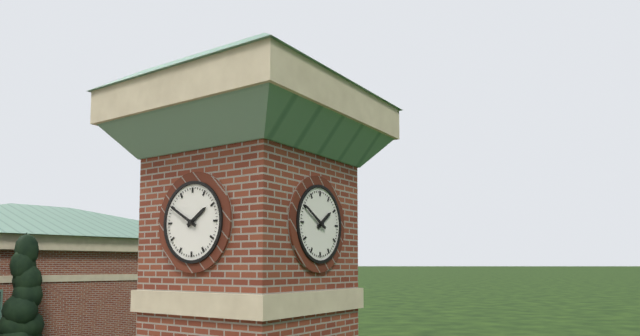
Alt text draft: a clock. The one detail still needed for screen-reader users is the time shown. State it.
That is 1:50
